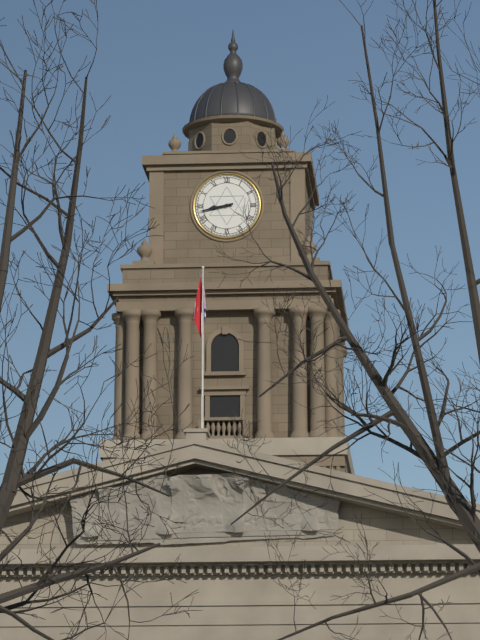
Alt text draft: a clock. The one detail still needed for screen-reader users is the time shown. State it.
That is 8:43
